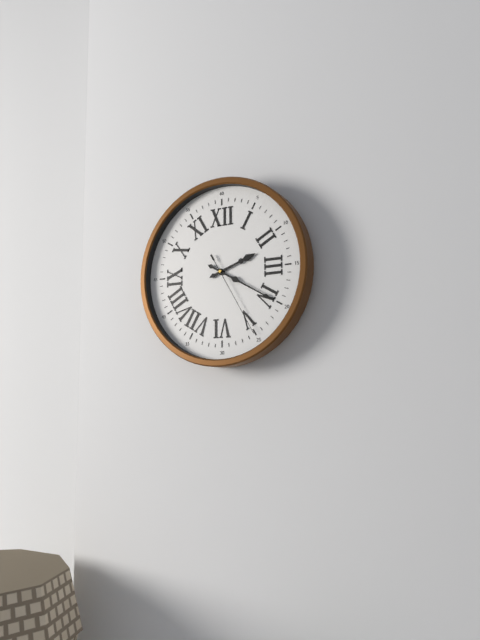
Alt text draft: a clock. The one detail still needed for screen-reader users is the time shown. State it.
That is 2:20:25
